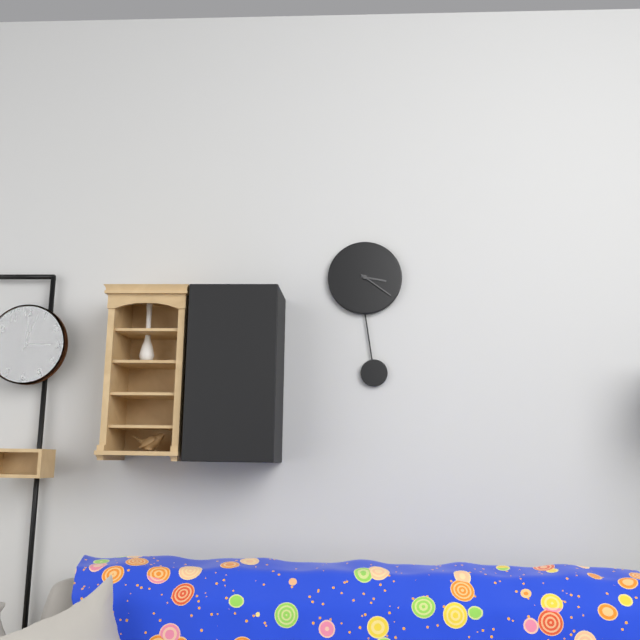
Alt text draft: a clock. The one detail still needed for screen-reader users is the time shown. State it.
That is 3:21
